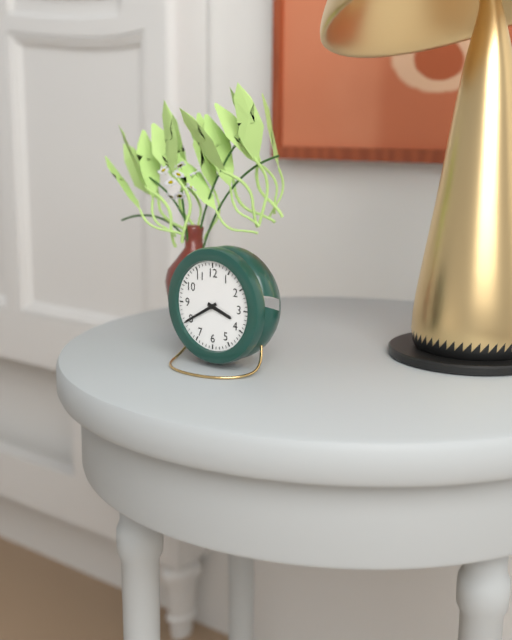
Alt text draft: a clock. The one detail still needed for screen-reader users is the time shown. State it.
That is 3:40
